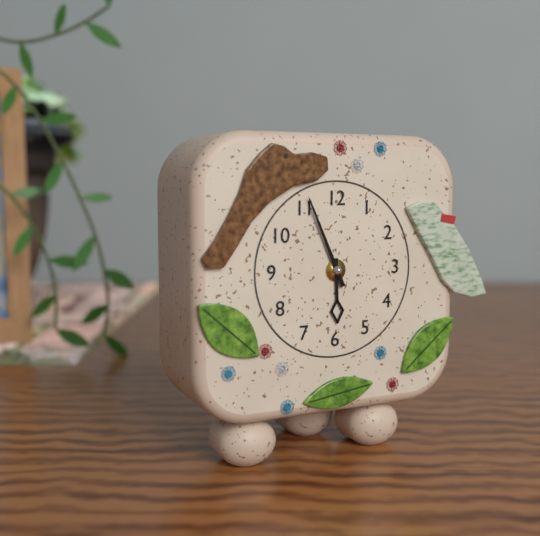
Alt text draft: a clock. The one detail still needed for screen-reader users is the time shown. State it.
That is 5:56
